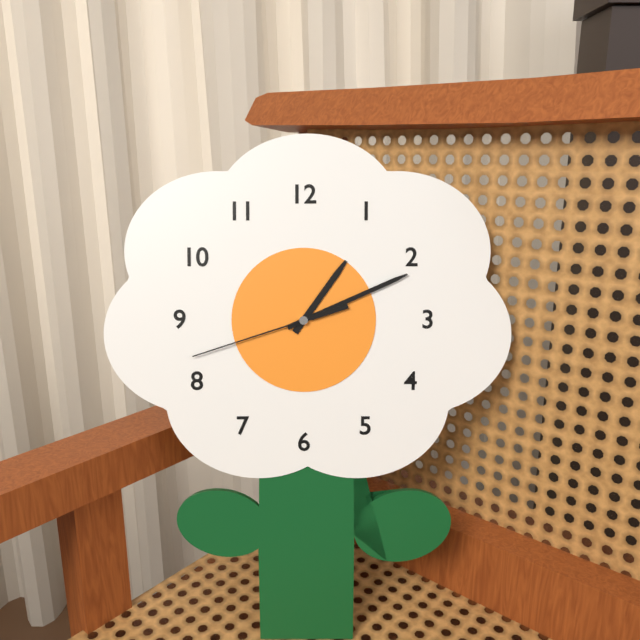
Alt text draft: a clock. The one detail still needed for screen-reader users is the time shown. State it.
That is 1:11:42
